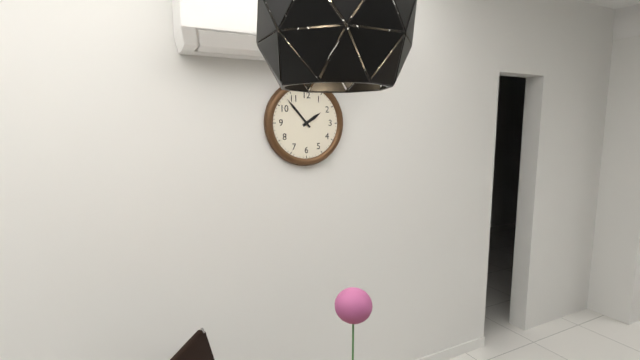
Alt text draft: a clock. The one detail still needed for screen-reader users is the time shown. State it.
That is 1:53
